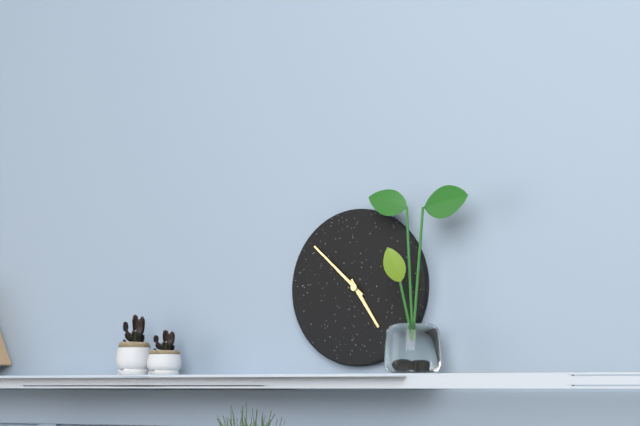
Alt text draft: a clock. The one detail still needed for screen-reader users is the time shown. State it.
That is 4:52
